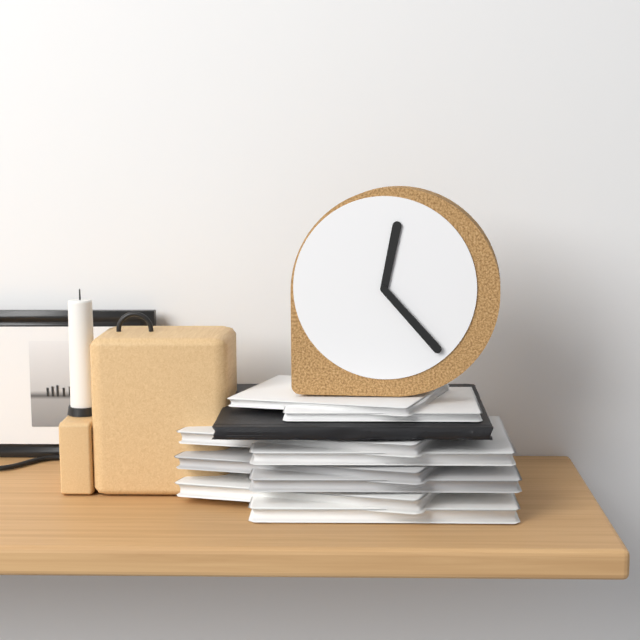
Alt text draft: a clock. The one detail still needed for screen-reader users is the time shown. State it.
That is 12:23
